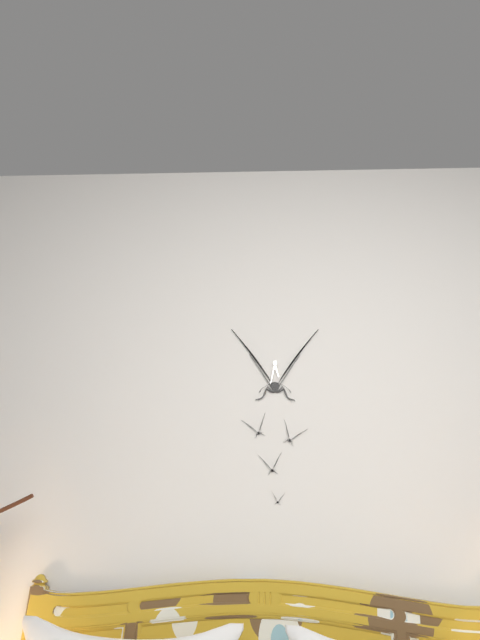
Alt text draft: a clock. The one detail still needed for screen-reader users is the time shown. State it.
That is 5:32
